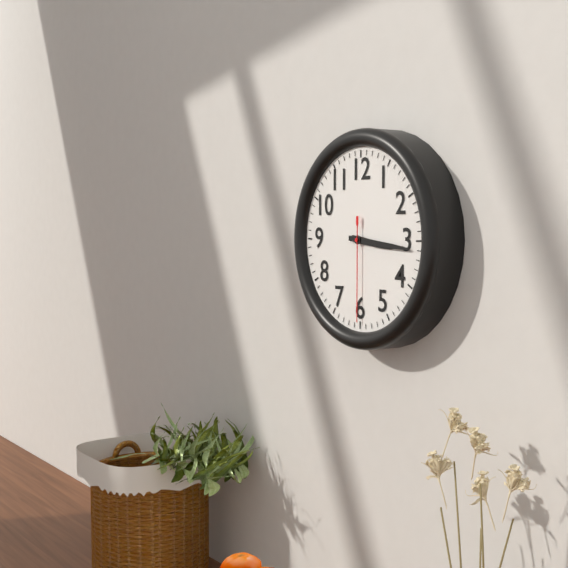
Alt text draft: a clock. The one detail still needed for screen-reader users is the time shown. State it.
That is 3:16:30
